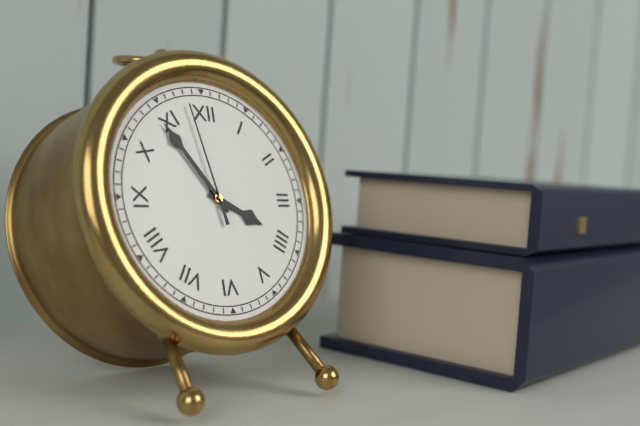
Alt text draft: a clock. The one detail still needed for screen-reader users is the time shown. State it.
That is 3:54:58
